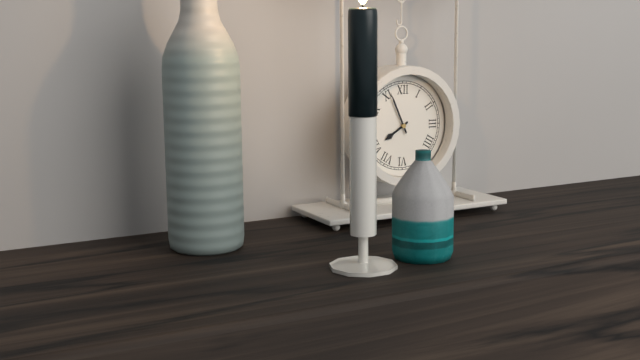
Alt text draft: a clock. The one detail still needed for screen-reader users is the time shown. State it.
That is 7:56
